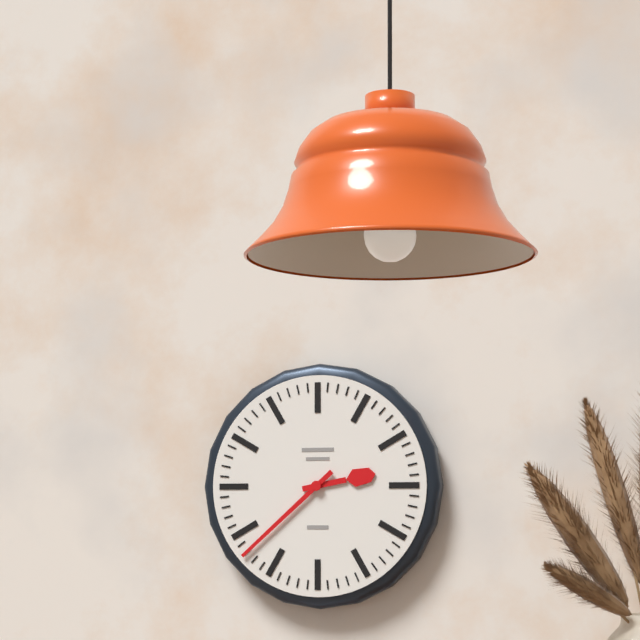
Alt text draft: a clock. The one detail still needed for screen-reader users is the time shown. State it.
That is 2:38
